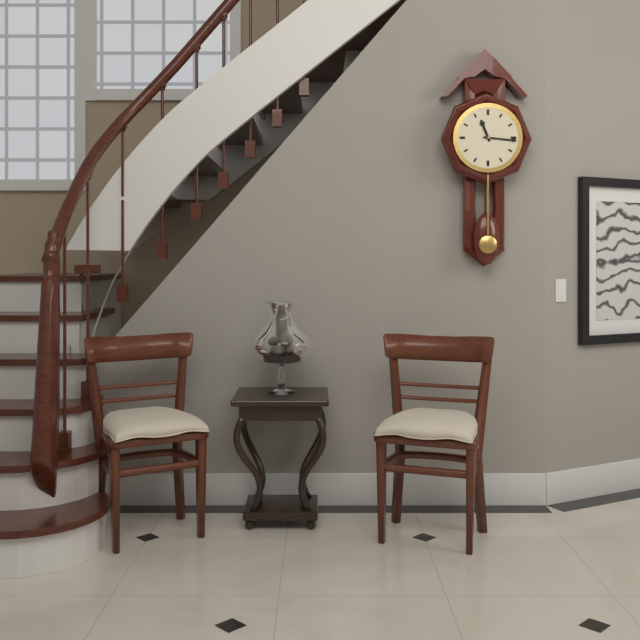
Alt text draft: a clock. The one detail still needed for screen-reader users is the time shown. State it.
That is 11:16
